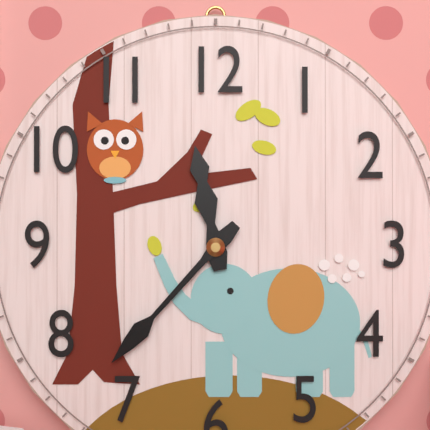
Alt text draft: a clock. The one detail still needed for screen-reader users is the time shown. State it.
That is 11:37
